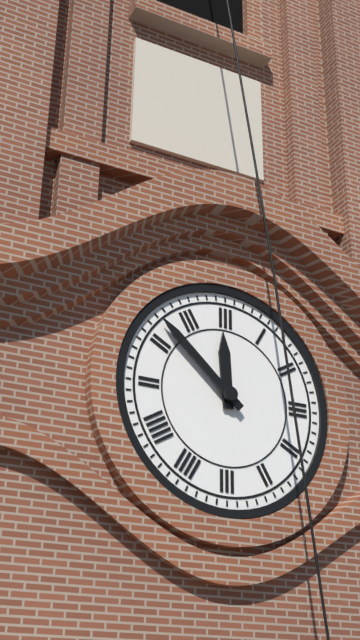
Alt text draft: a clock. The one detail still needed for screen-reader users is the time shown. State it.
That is 11:52
